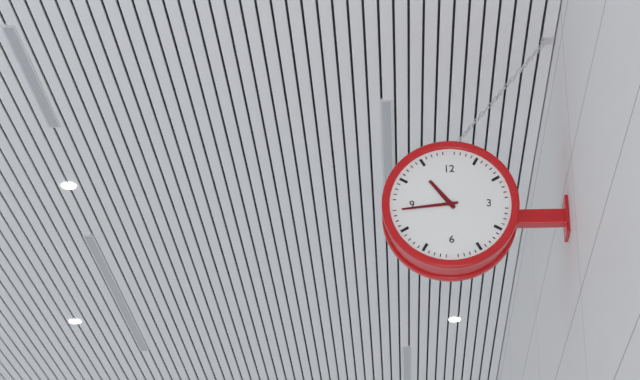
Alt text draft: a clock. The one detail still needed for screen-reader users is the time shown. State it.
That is 10:44
